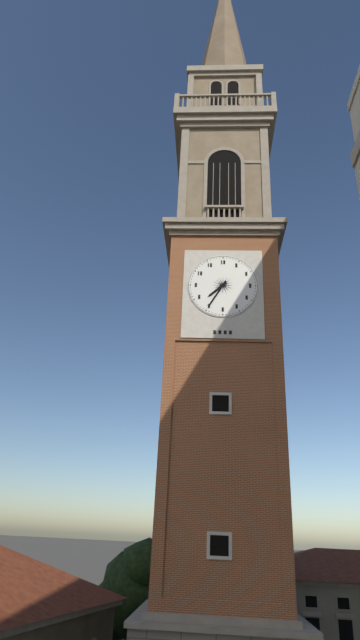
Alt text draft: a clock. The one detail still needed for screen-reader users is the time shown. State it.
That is 7:35
